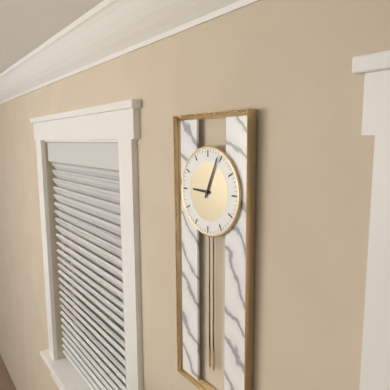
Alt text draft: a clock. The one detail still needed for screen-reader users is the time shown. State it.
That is 9:04
